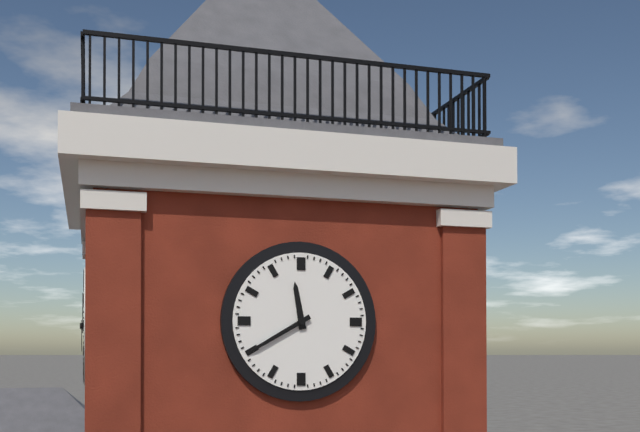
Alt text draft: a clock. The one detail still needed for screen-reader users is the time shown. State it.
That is 11:40
